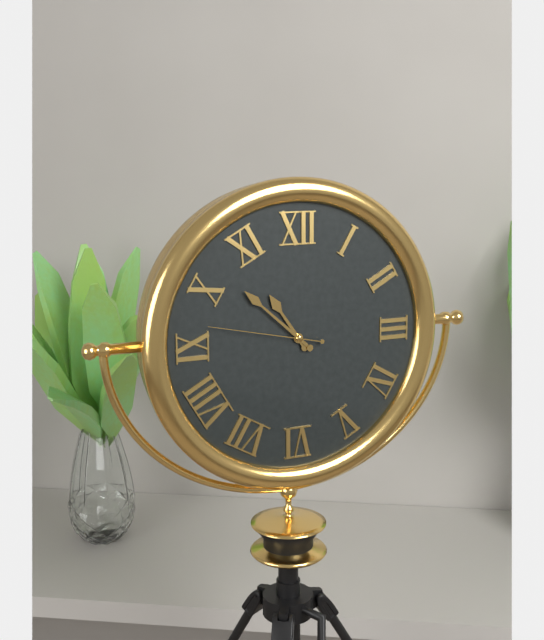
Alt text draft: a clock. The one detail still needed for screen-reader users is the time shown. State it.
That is 10:52:47
